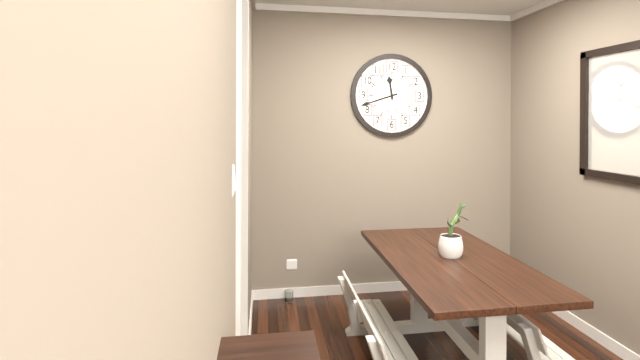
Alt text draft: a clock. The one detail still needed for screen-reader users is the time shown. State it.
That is 11:42
